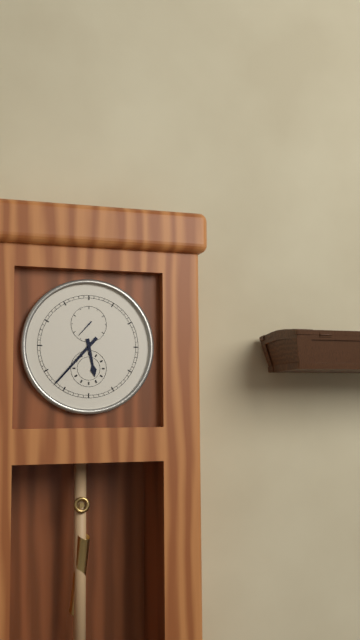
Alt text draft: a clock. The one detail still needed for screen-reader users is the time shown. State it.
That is 5:37
